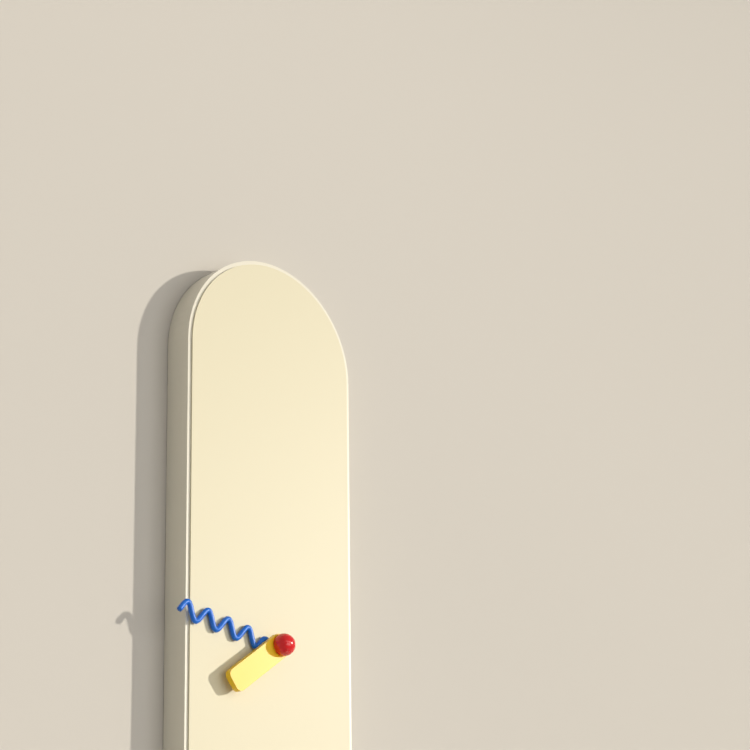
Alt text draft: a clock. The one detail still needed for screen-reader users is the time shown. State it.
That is 7:47
